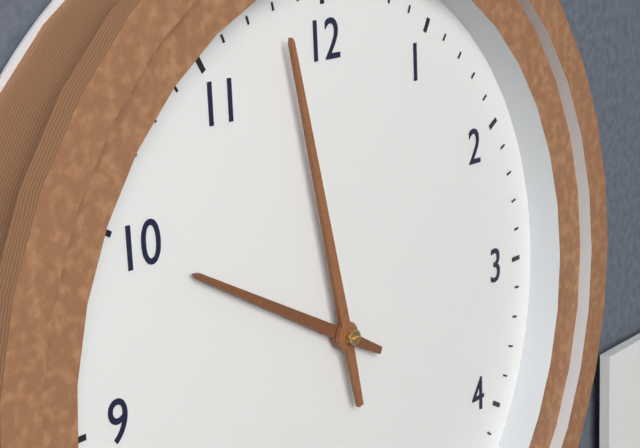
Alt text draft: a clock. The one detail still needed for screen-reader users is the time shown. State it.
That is 9:58
